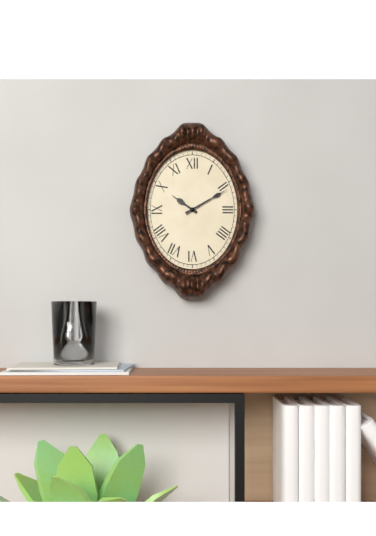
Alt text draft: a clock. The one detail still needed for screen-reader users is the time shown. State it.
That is 10:10
